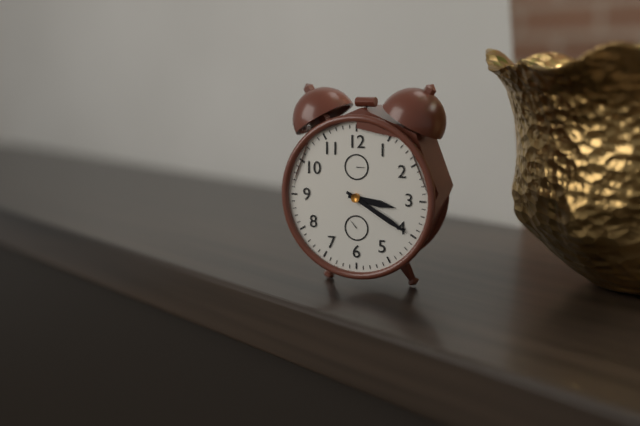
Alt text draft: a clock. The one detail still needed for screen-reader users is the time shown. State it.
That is 3:20
